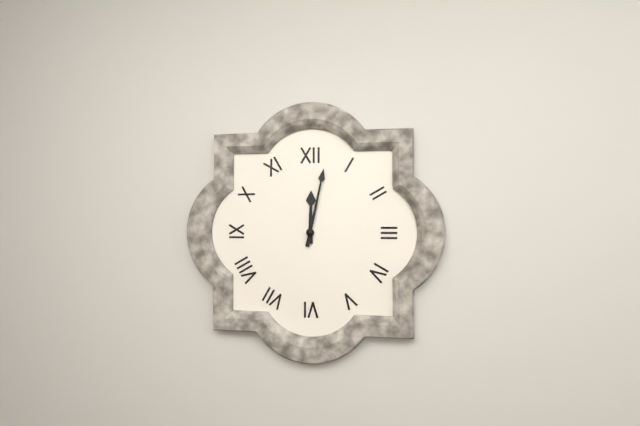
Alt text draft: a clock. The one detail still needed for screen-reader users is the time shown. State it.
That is 12:02
